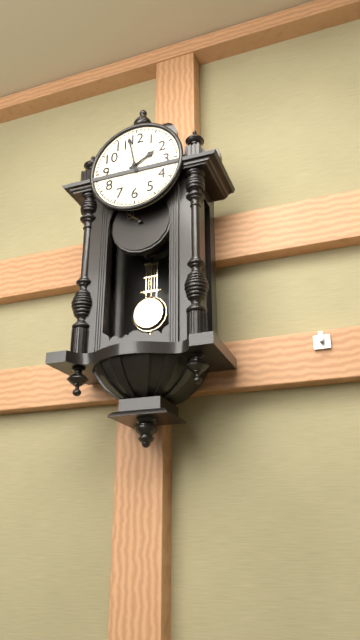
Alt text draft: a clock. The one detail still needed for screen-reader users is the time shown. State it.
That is 1:58
